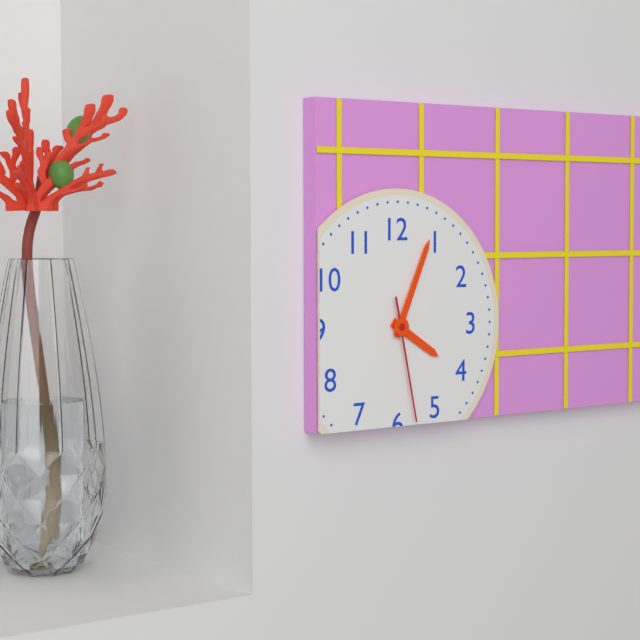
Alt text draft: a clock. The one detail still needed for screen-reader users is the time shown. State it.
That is 4:04:28
